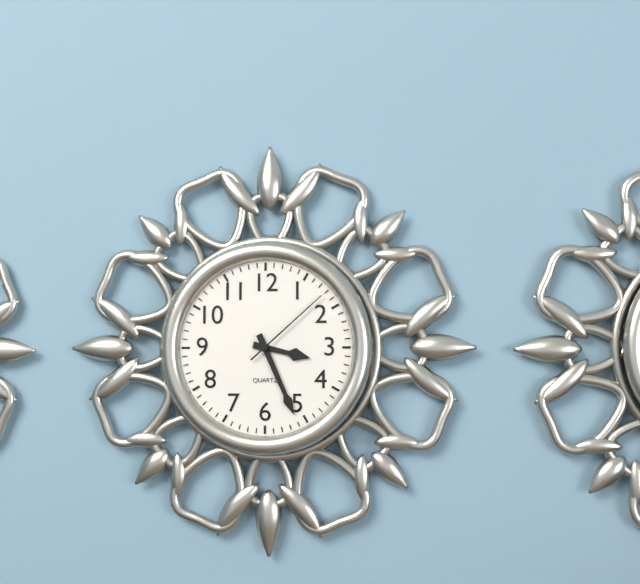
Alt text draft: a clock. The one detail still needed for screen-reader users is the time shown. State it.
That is 3:26:08
